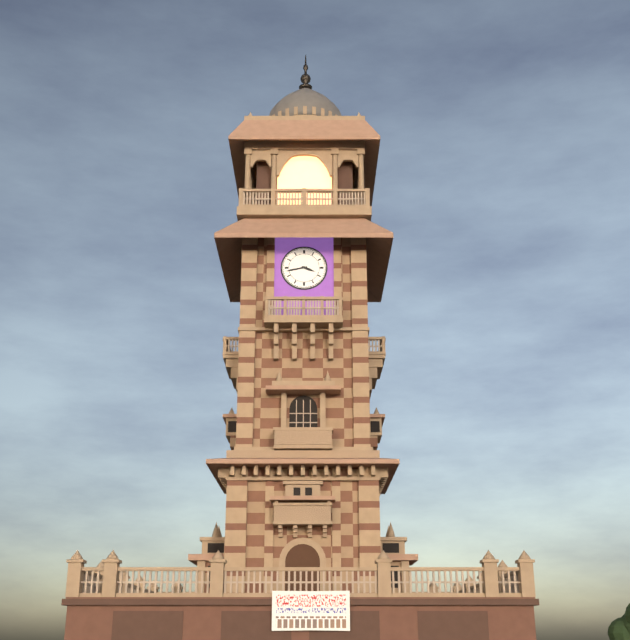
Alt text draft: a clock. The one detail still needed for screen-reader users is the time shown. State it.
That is 3:43
